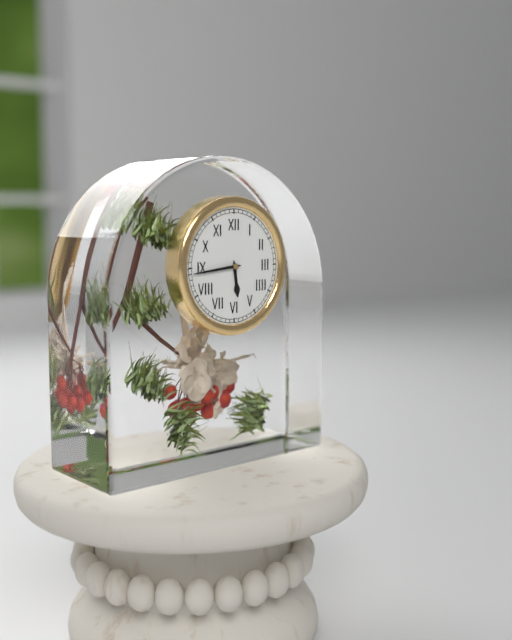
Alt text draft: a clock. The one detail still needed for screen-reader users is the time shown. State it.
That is 5:44
